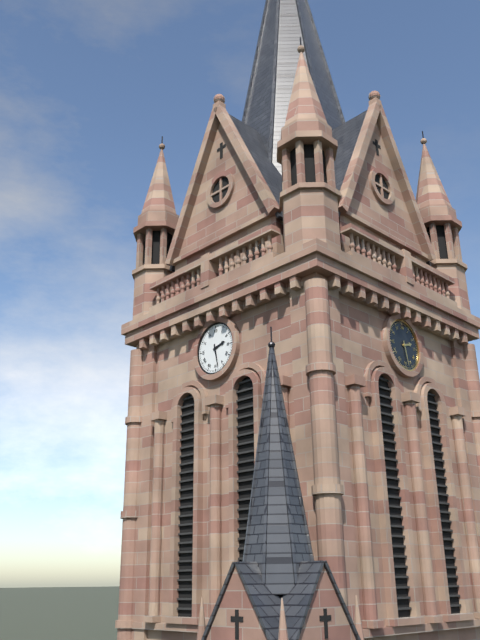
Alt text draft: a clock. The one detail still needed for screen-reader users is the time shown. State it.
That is 2:28
